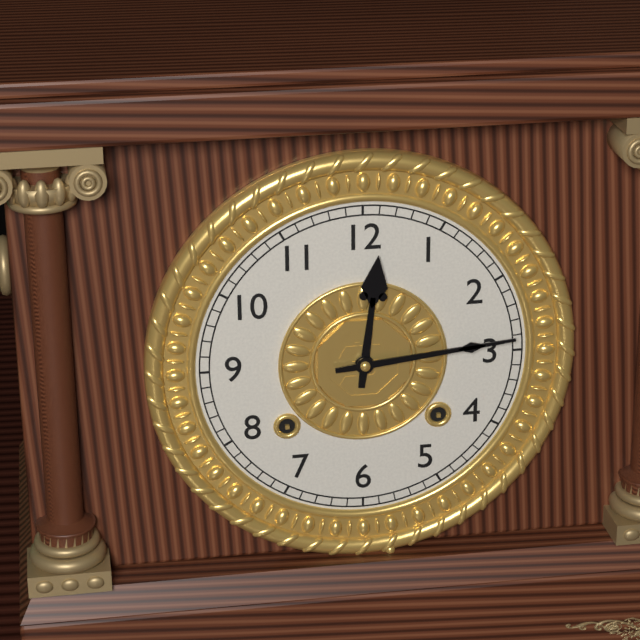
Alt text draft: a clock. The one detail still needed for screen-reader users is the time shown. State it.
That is 12:14
